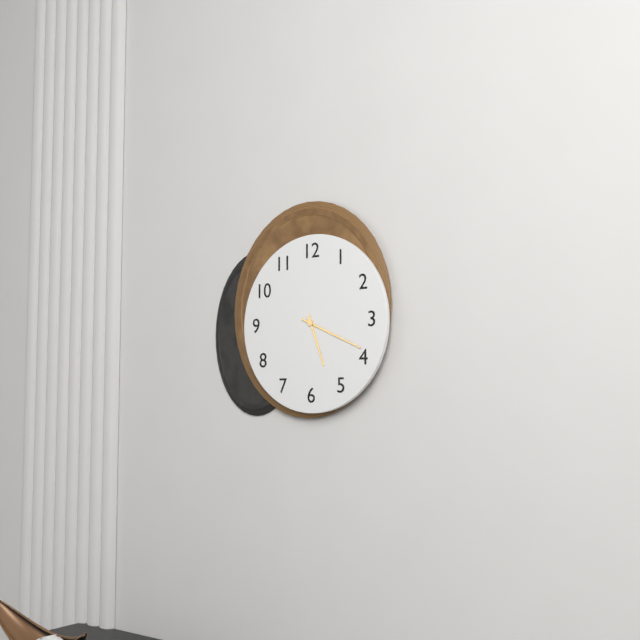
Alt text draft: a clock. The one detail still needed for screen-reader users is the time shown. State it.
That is 5:19
